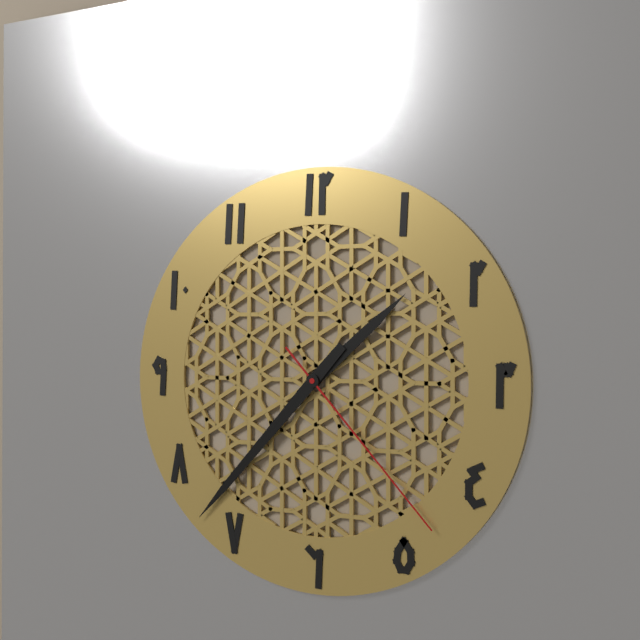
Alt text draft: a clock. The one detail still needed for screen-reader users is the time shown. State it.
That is 1:37:23
